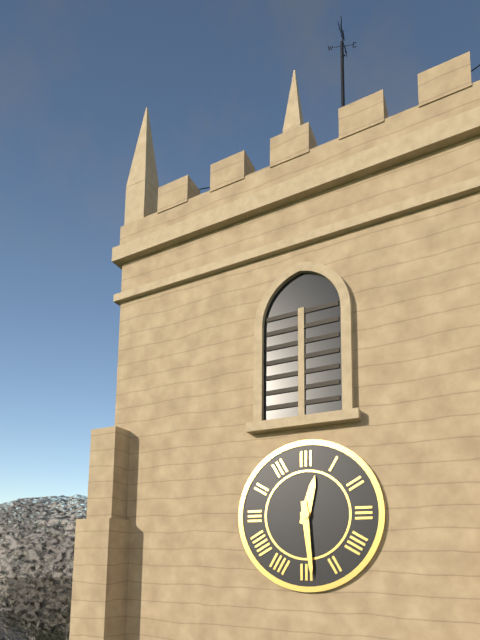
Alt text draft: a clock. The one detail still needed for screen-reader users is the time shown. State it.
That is 12:29
